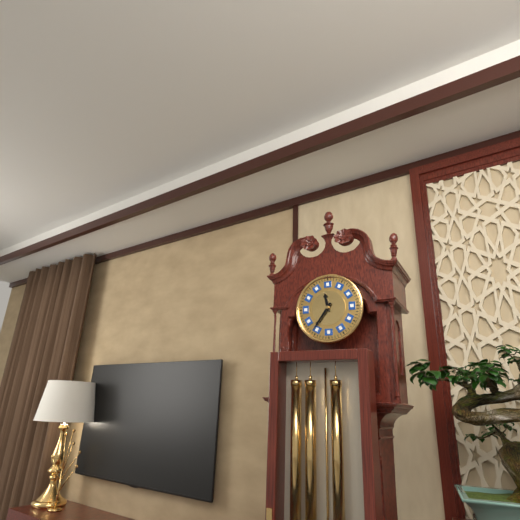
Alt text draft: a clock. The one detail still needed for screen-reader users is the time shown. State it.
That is 11:36
